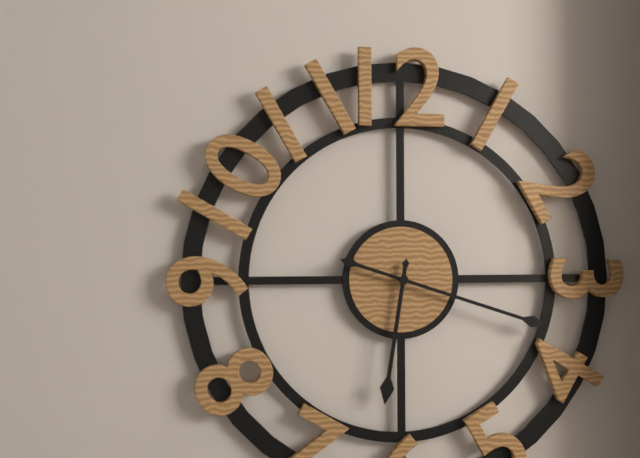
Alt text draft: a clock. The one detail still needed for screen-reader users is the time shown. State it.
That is 6:18
